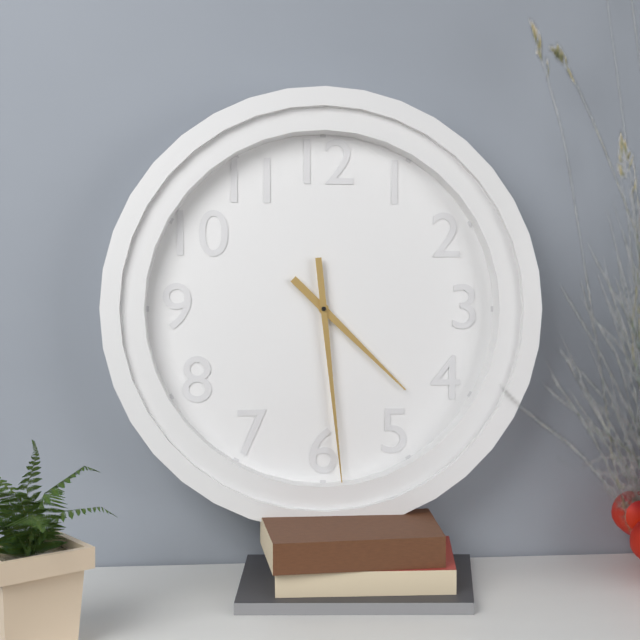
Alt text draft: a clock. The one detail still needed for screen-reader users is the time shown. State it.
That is 4:29
